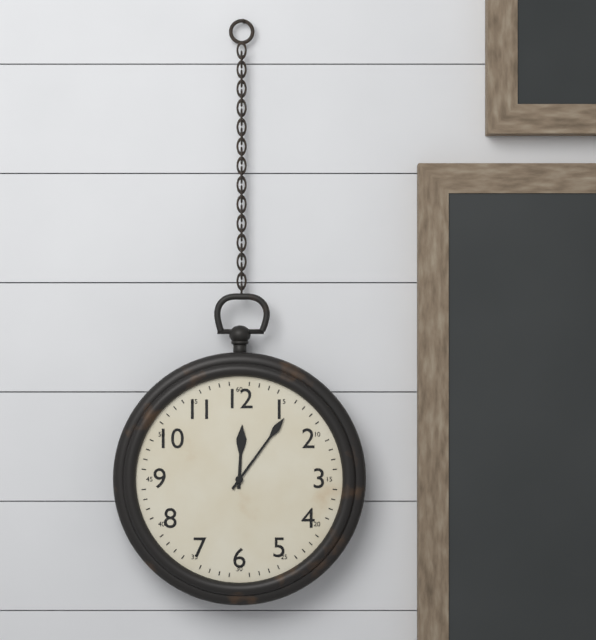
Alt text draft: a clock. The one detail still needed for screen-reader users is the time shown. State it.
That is 12:06
